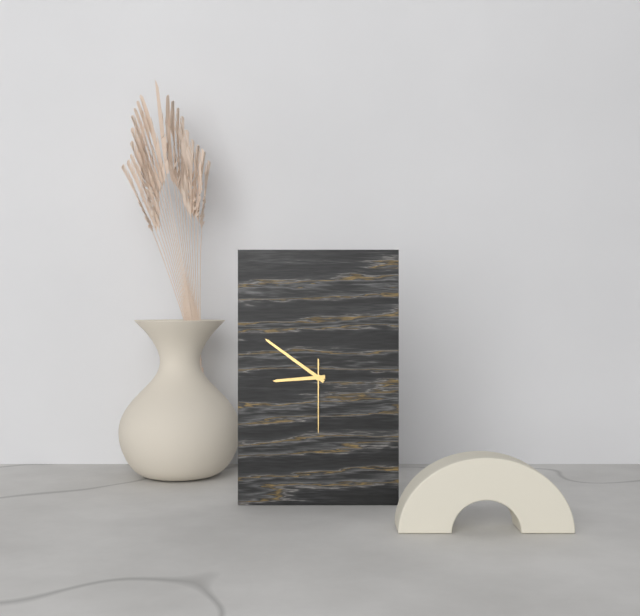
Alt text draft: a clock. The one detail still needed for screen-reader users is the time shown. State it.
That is 8:51:30
